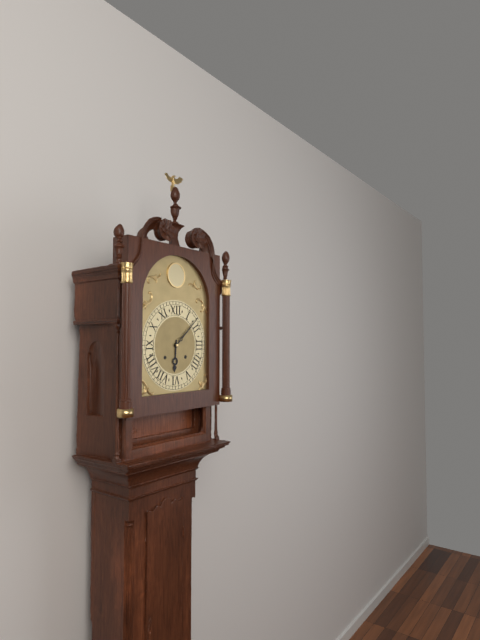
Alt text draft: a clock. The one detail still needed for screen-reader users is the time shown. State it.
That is 6:08
